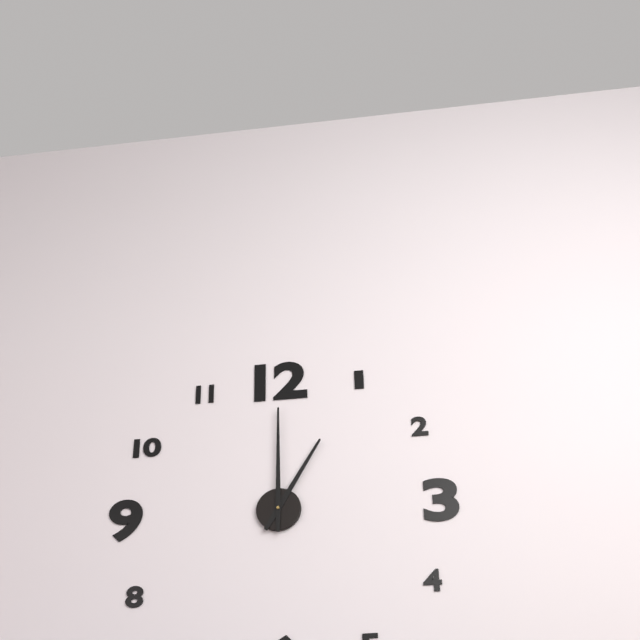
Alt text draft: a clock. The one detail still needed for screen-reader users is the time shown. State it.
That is 1:00
